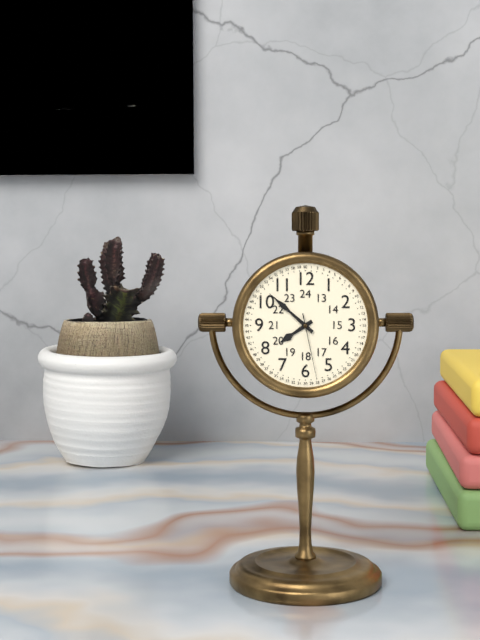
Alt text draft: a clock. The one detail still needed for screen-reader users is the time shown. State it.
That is 7:52:28
